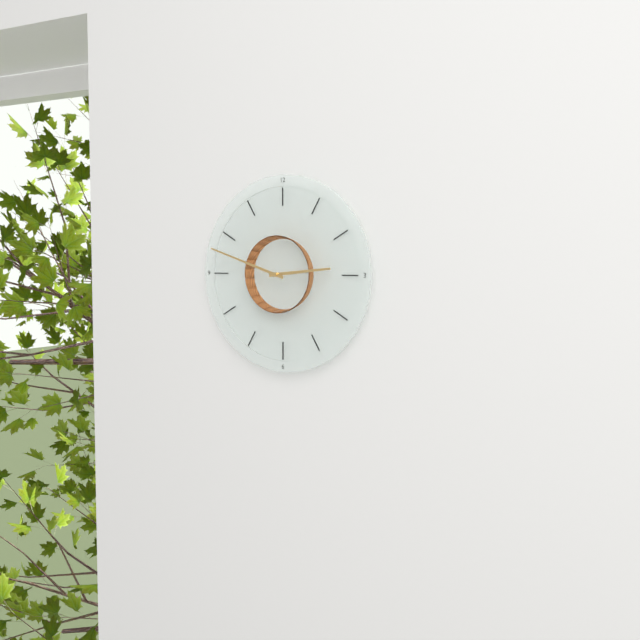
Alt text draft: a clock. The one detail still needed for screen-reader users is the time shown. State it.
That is 2:48
